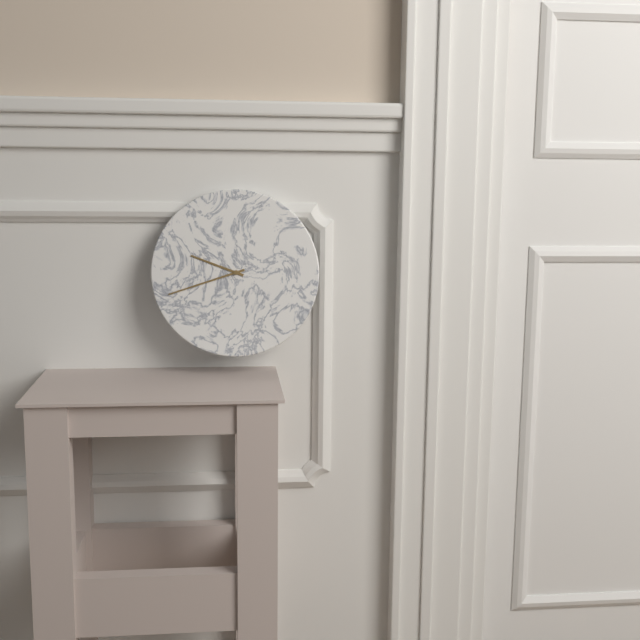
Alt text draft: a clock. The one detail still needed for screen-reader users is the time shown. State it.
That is 9:42
